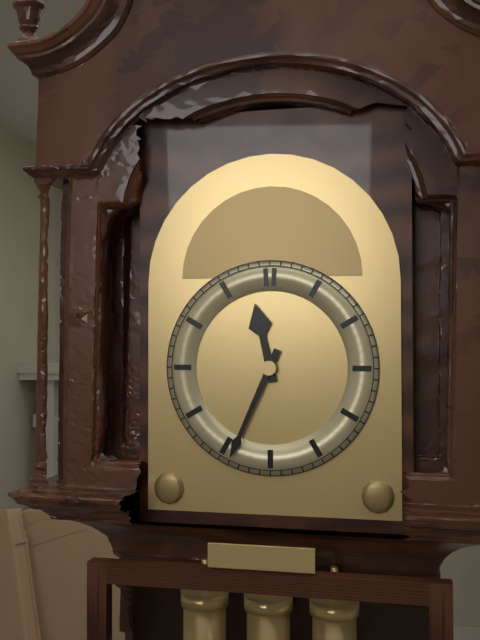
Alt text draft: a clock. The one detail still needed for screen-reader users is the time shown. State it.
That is 11:34
